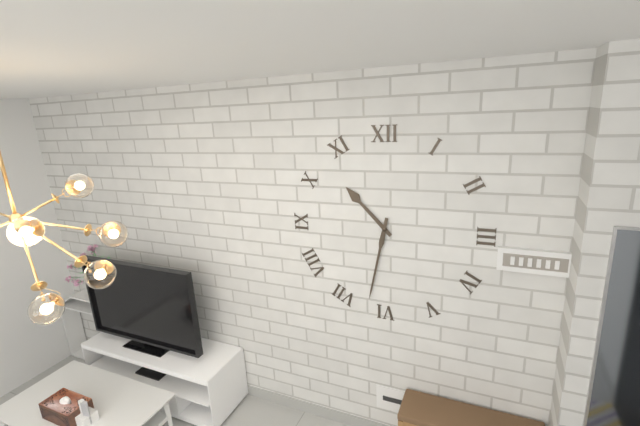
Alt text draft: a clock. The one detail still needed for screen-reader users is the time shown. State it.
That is 10:32
